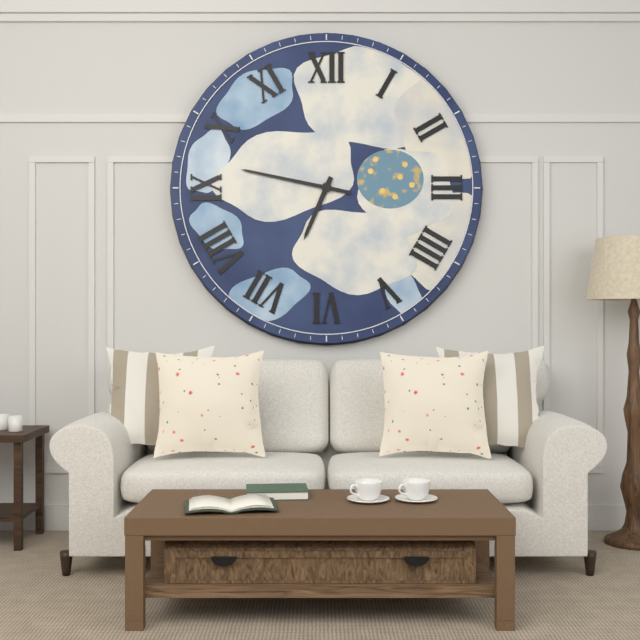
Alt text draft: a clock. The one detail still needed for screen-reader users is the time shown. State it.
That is 6:47
